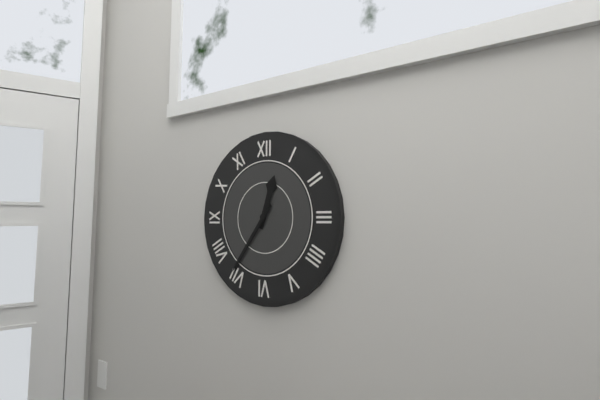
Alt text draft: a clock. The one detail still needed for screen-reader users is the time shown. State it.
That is 12:36
